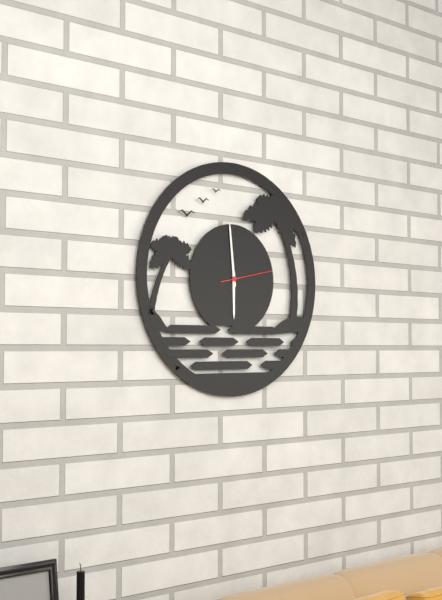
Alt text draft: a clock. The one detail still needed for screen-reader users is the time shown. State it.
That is 5:59:13
